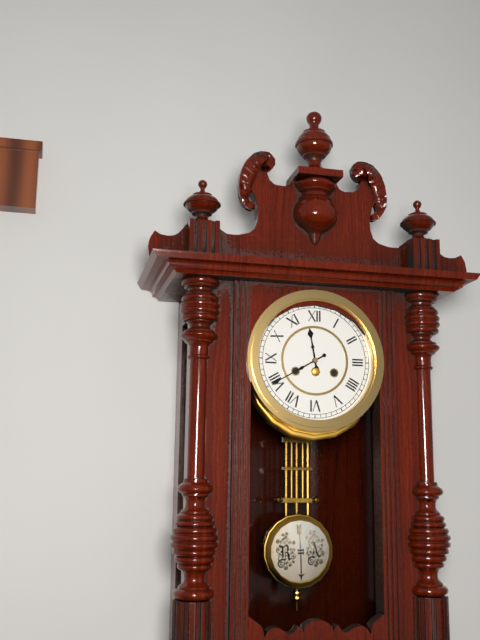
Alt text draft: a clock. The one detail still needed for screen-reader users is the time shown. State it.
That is 11:40
